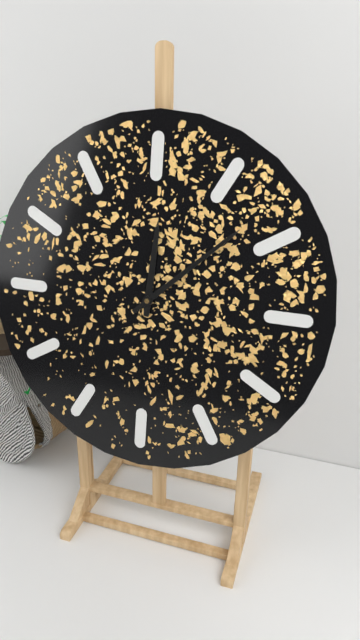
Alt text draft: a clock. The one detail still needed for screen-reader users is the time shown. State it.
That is 12:08
